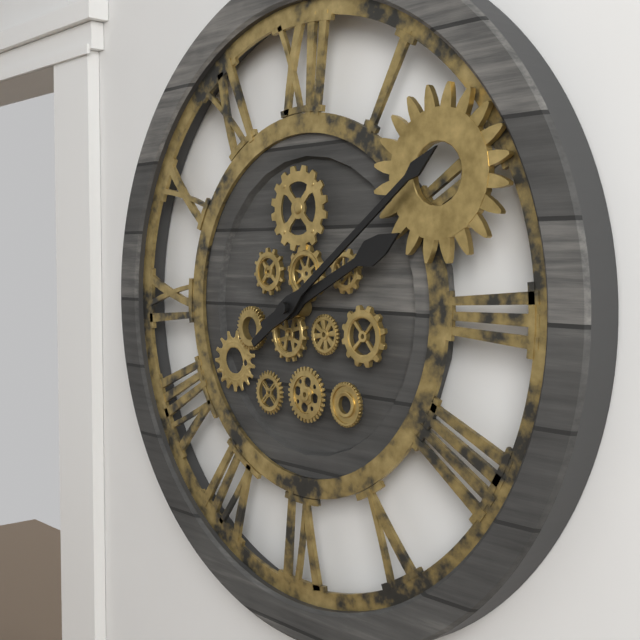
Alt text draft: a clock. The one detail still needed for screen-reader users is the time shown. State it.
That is 2:09
